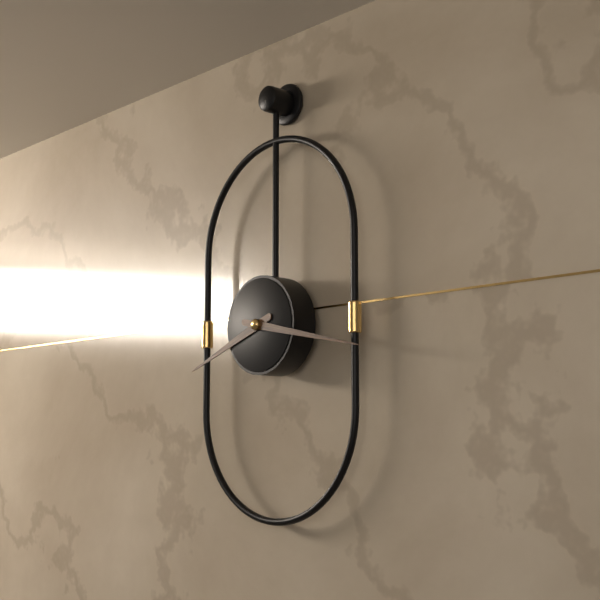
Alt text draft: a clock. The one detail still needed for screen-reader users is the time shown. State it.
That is 8:17
